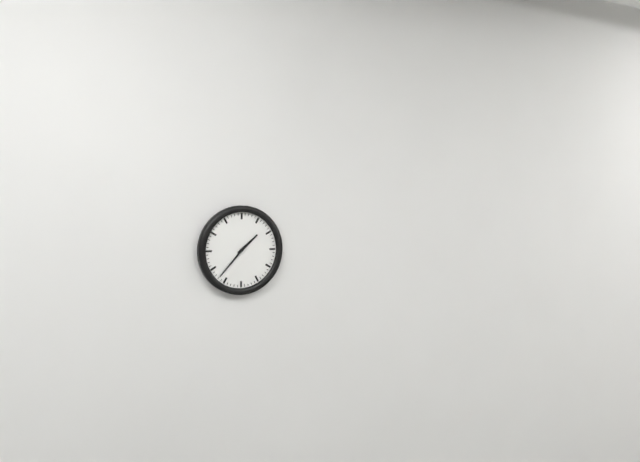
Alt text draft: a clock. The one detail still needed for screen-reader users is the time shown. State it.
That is 1:37
